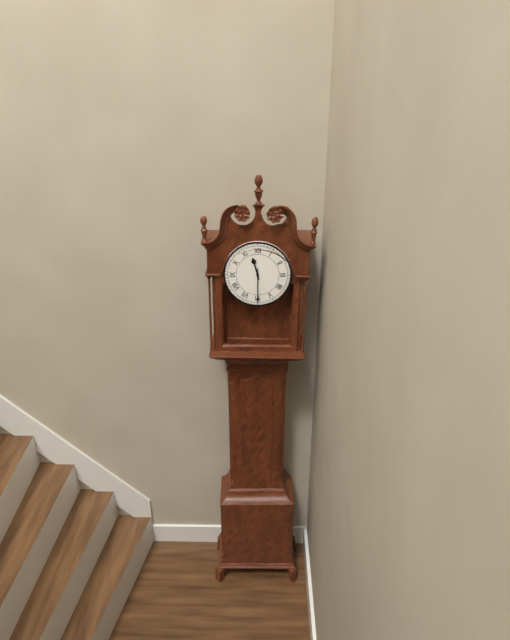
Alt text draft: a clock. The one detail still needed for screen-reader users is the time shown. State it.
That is 11:30
